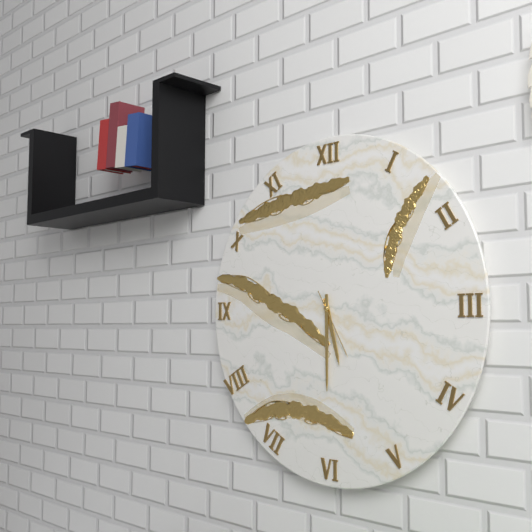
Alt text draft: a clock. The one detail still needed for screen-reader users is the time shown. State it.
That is 5:30:25
